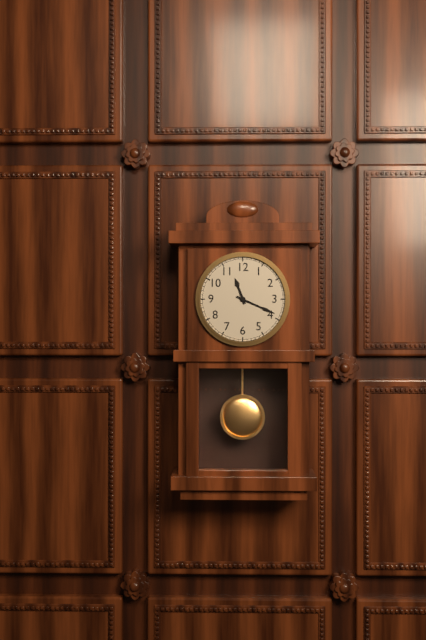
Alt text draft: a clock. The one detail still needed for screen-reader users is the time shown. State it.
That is 11:19
